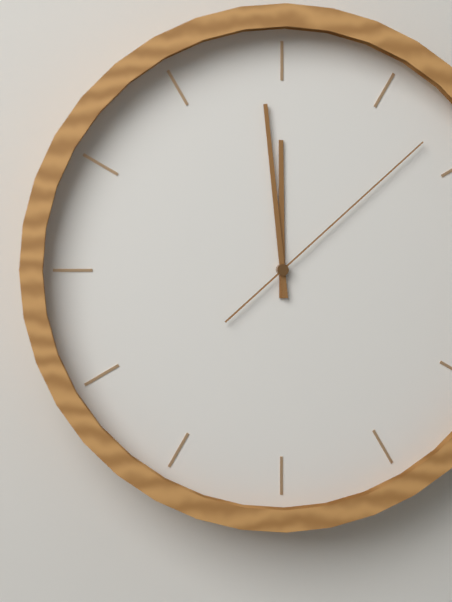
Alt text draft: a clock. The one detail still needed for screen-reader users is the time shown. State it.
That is 11:59:08
